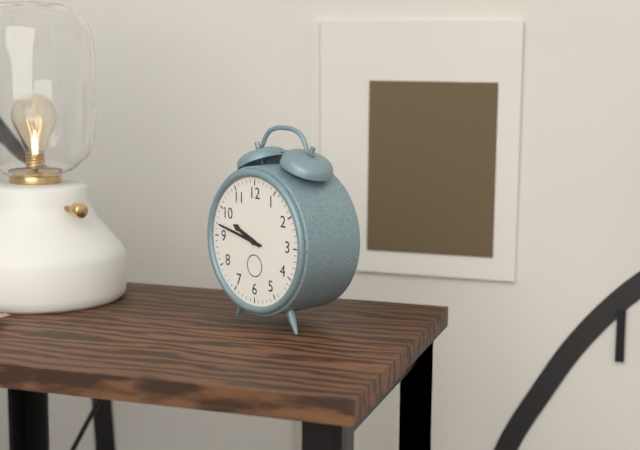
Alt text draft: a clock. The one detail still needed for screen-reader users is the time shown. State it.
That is 9:47
